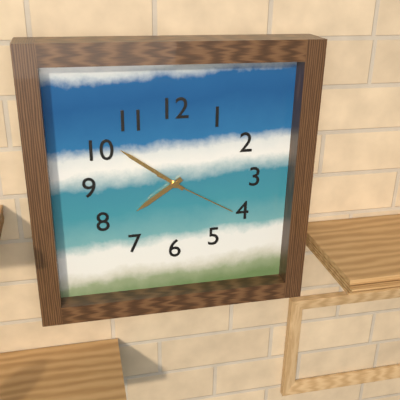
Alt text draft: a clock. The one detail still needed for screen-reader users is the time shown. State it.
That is 7:51:20
